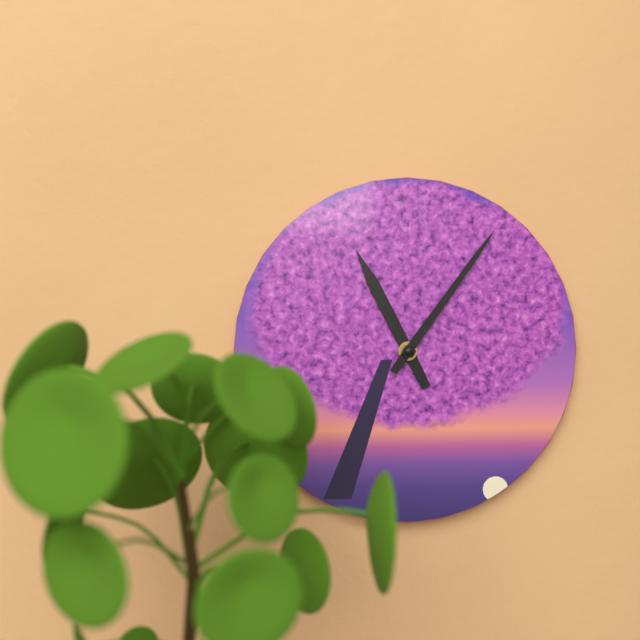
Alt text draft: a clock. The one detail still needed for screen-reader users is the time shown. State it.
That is 11:06
